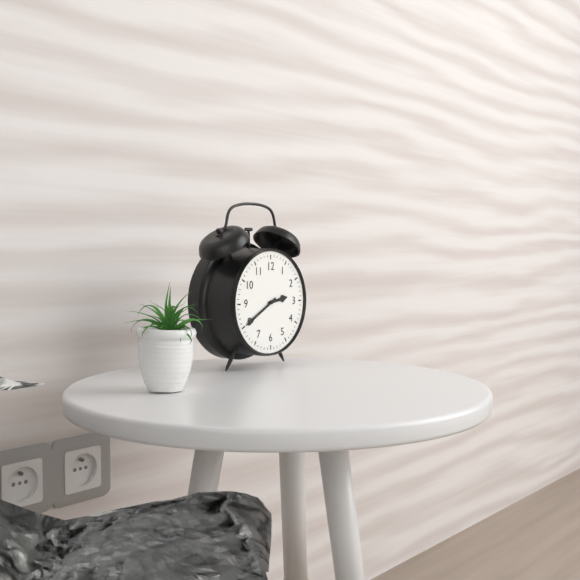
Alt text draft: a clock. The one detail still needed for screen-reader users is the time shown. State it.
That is 2:40
